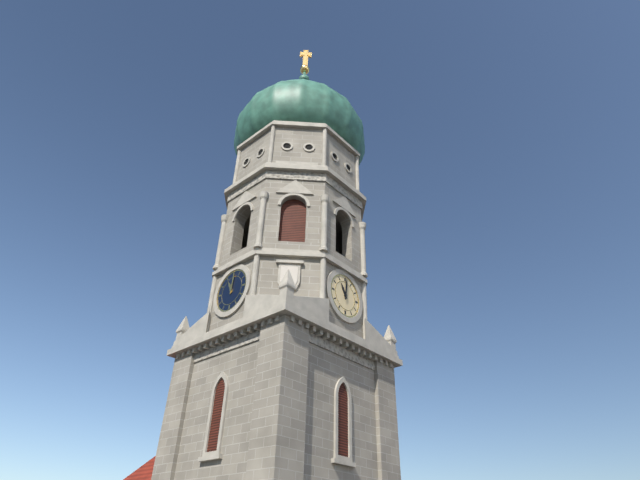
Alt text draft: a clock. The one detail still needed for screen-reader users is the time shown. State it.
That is 11:01
